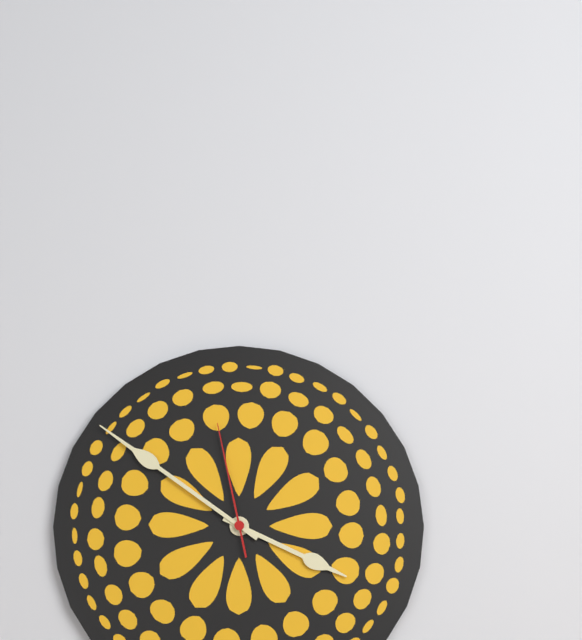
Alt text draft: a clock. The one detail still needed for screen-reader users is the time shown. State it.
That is 3:51:58
